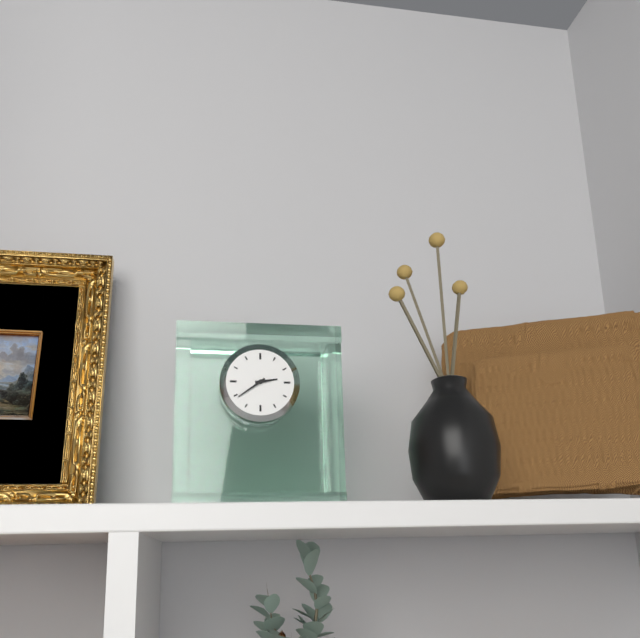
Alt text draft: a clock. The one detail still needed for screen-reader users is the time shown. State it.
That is 2:39
